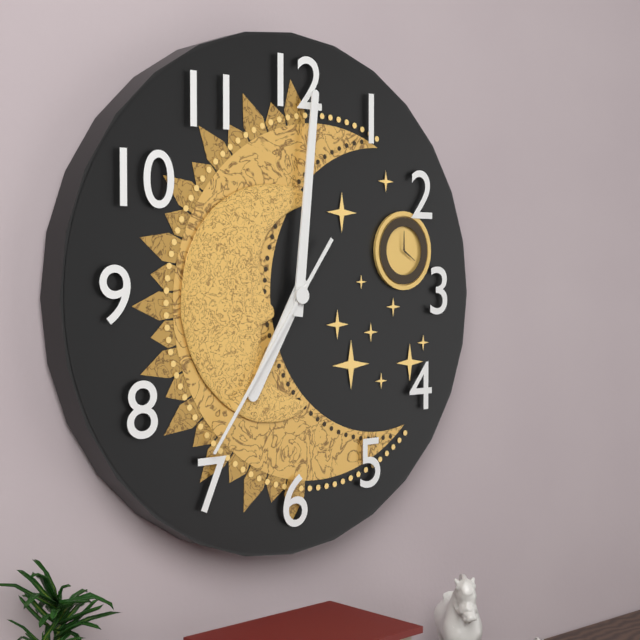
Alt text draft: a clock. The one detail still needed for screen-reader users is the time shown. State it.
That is 7:01:36
